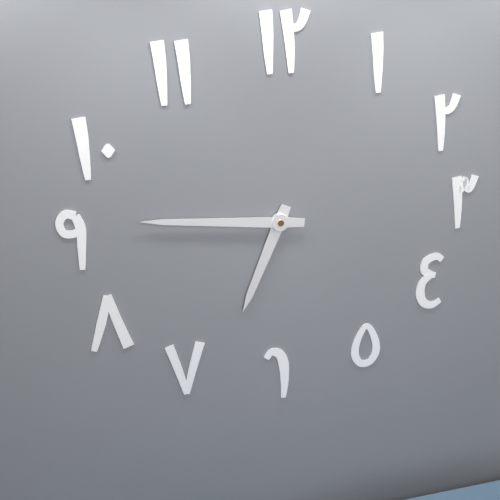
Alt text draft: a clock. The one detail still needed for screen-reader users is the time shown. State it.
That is 6:46
